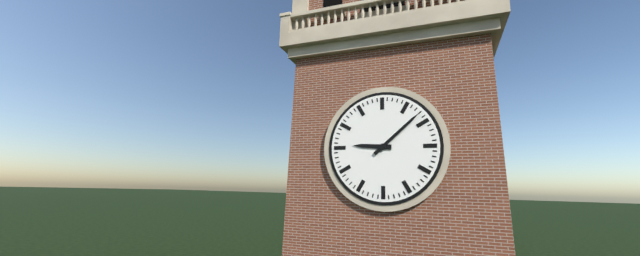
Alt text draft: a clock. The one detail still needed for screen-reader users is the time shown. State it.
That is 9:08
